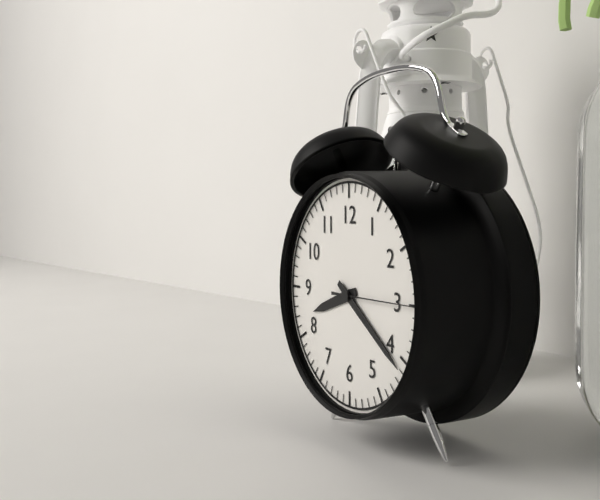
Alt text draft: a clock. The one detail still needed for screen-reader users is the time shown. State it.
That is 8:21:15
